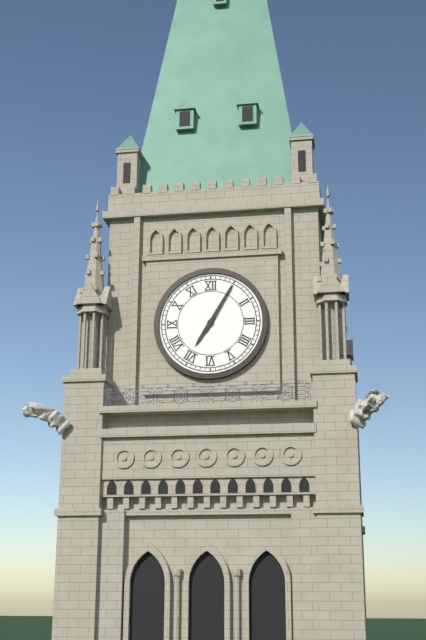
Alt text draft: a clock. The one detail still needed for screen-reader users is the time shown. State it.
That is 7:05
